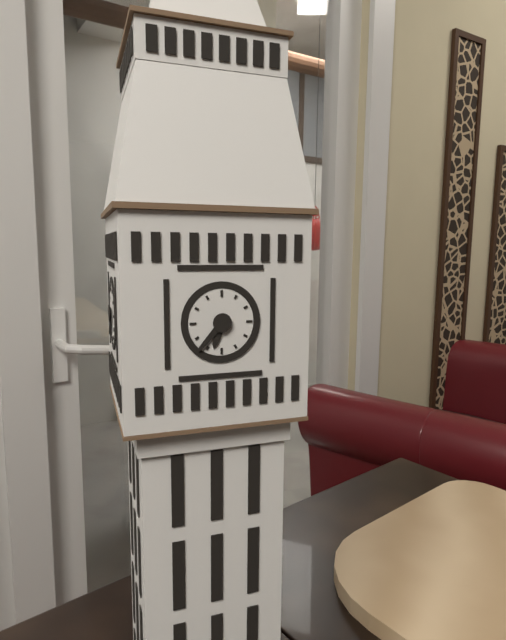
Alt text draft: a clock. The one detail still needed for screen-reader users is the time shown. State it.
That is 6:37
